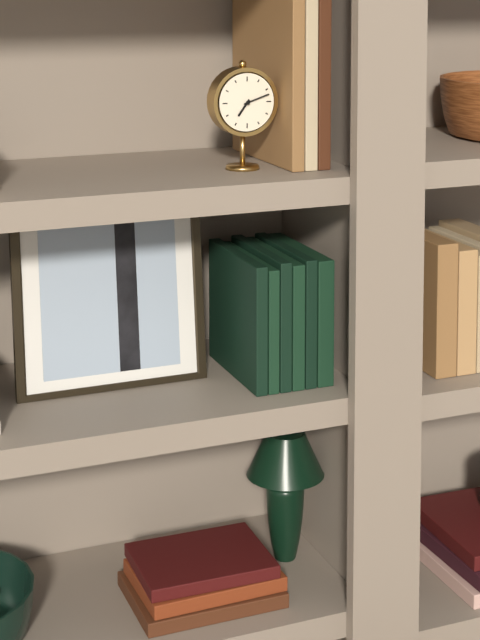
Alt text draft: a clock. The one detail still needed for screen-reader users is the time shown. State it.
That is 7:12
